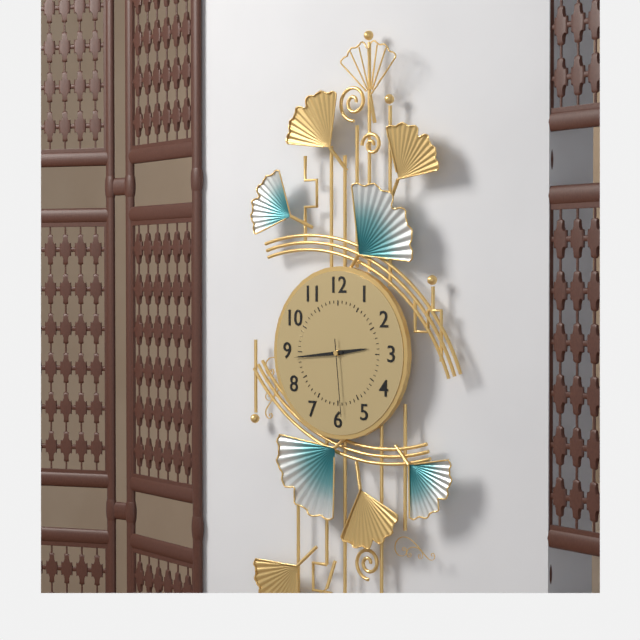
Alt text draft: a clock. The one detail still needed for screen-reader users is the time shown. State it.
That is 2:44:29
